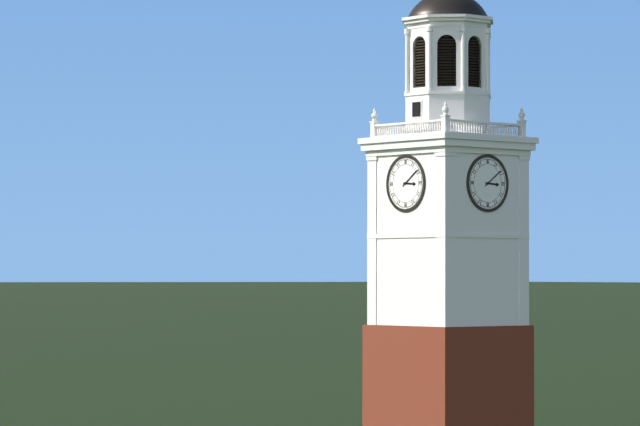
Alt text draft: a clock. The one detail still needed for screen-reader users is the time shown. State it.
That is 3:09
